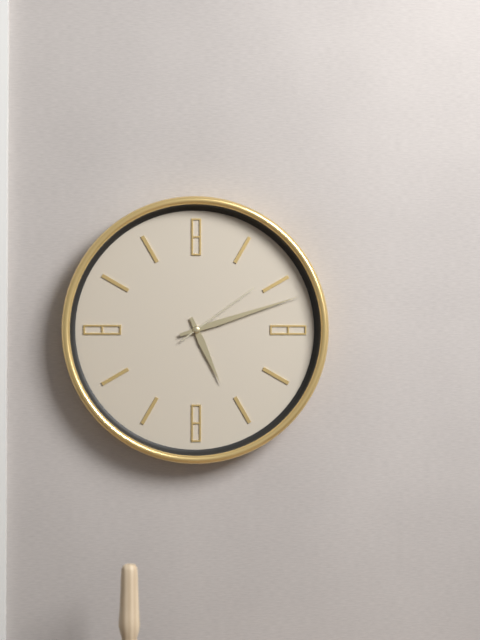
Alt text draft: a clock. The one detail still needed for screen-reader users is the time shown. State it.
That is 5:12:09
